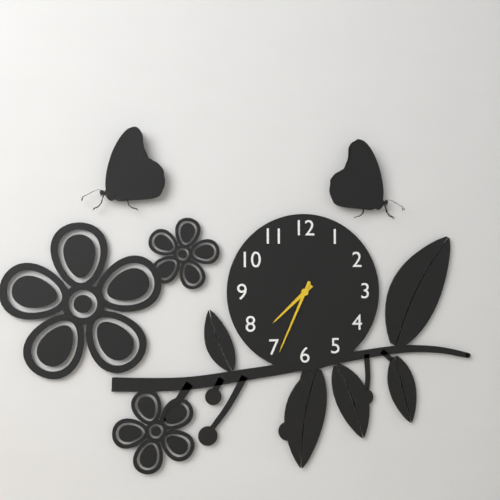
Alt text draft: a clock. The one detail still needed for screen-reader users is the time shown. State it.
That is 7:34
